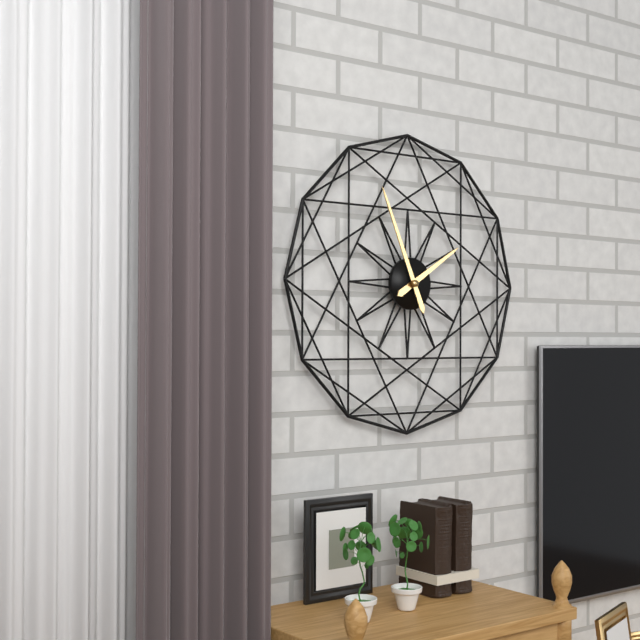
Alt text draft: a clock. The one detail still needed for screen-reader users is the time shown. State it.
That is 1:56
